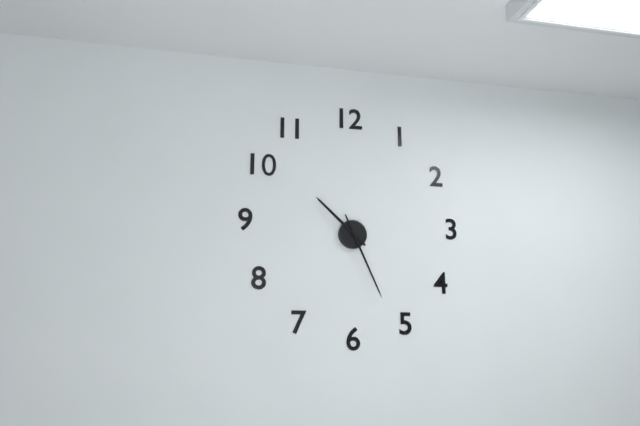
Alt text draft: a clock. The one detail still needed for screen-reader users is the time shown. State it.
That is 10:26
